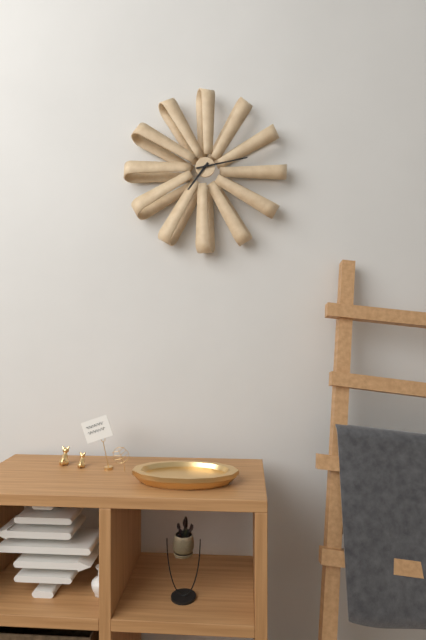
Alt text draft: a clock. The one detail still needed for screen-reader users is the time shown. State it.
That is 7:13
